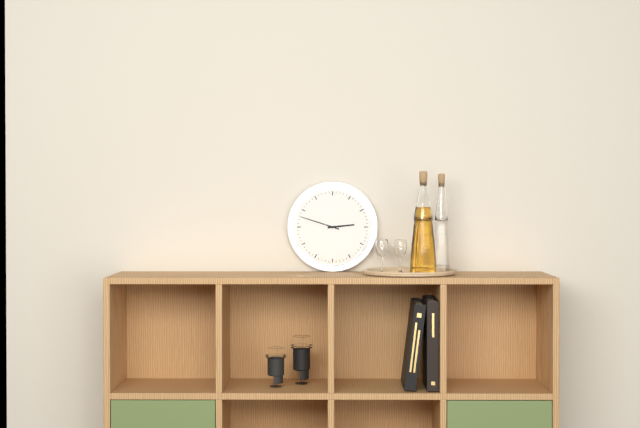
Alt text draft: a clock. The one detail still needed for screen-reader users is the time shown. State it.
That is 2:48
